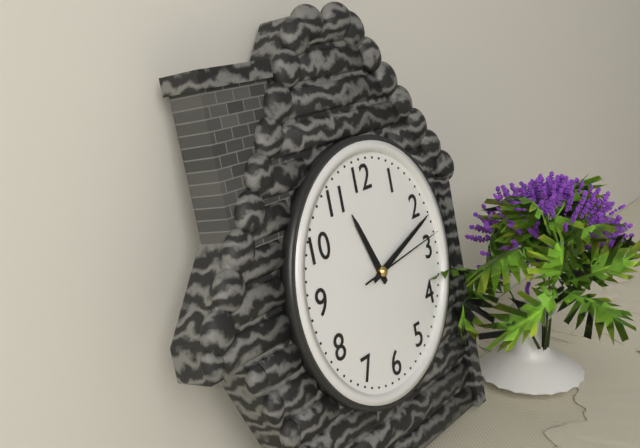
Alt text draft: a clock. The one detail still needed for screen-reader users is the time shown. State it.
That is 11:12:14
